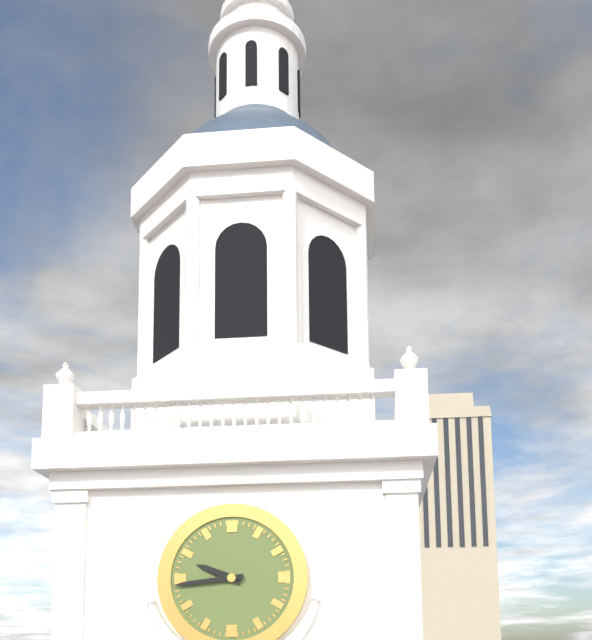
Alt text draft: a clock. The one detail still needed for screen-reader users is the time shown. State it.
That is 9:44
